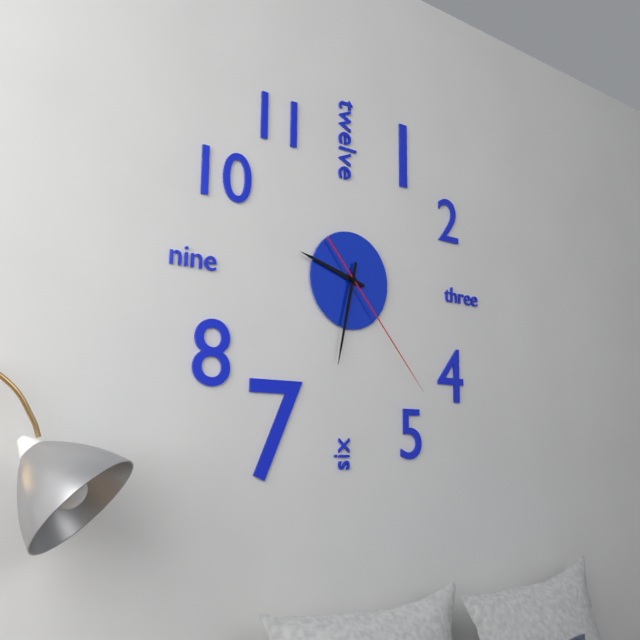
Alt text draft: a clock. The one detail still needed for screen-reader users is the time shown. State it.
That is 9:32:23
